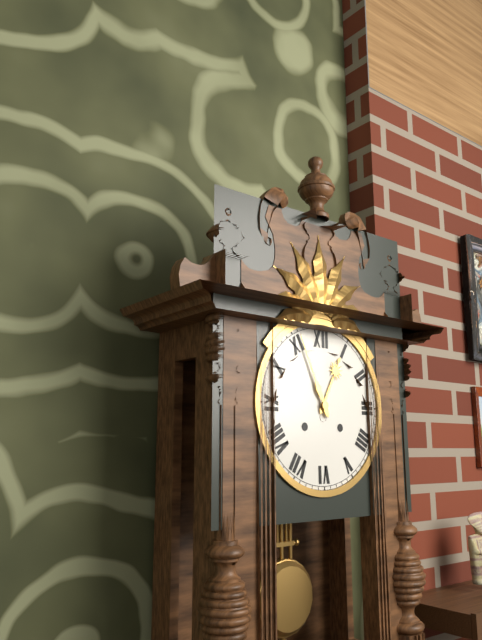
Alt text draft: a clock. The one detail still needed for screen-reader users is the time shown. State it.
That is 12:56
